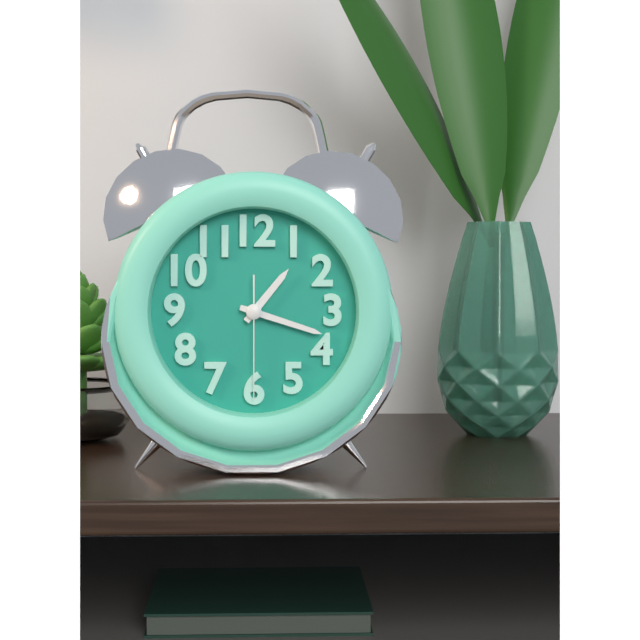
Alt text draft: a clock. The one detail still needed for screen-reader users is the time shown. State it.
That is 1:18:30
